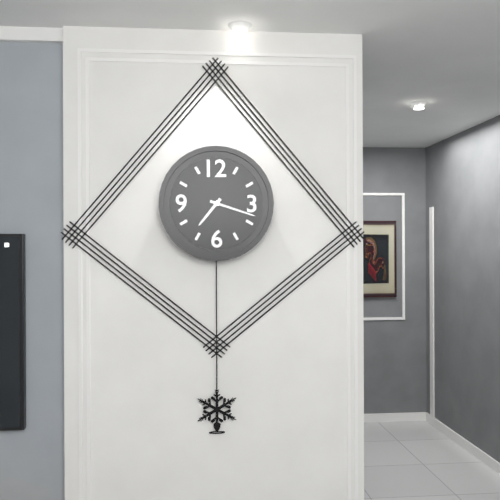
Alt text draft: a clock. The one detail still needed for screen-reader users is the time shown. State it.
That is 7:18
